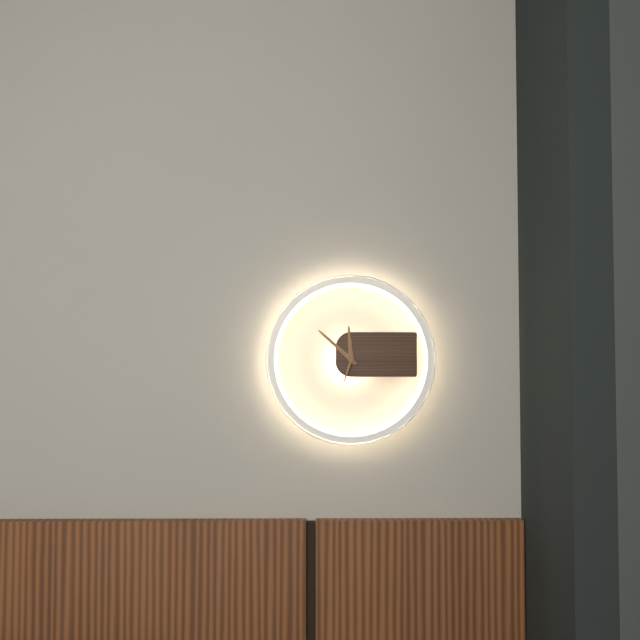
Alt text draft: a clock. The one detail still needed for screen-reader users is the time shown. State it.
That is 11:52
